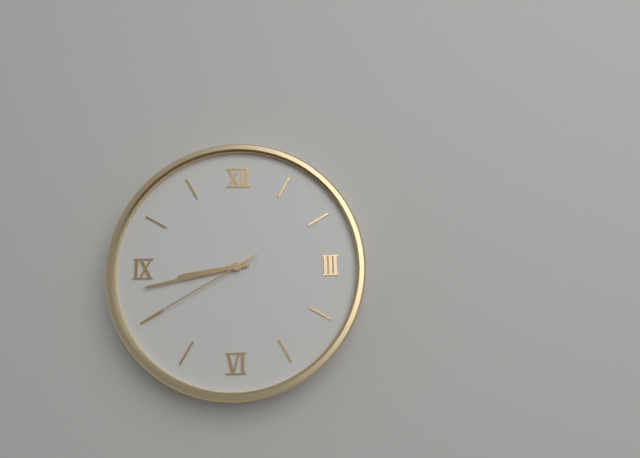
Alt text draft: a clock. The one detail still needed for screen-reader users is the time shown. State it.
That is 8:43:40
